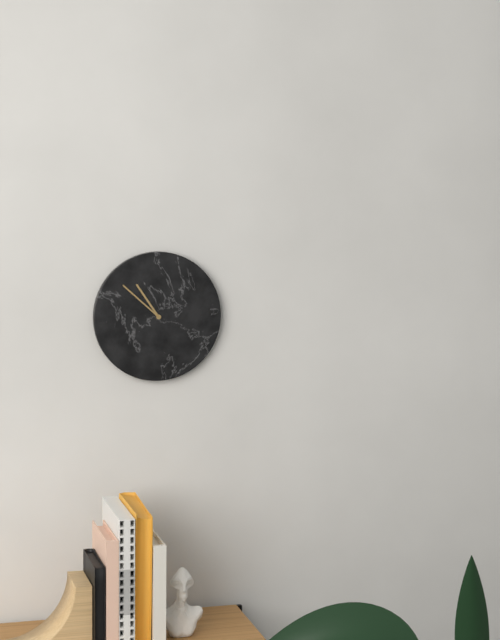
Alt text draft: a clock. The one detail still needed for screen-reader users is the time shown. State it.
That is 10:52
